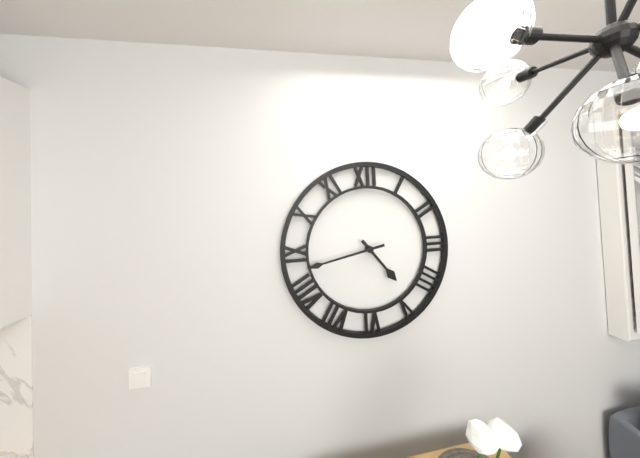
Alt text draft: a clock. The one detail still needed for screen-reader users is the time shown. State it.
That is 4:43
